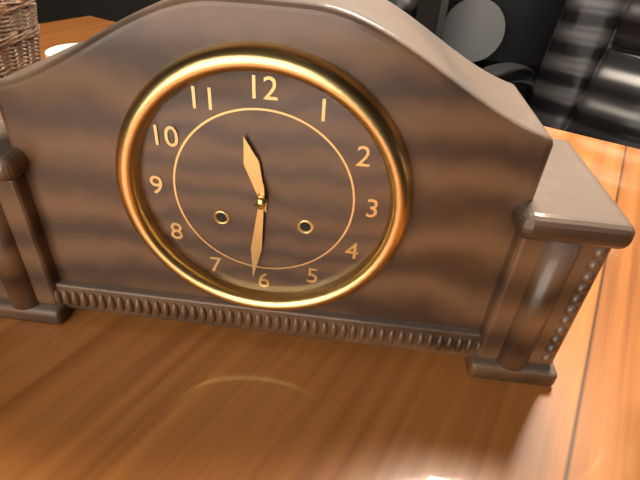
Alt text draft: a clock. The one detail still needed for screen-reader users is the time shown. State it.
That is 11:31
